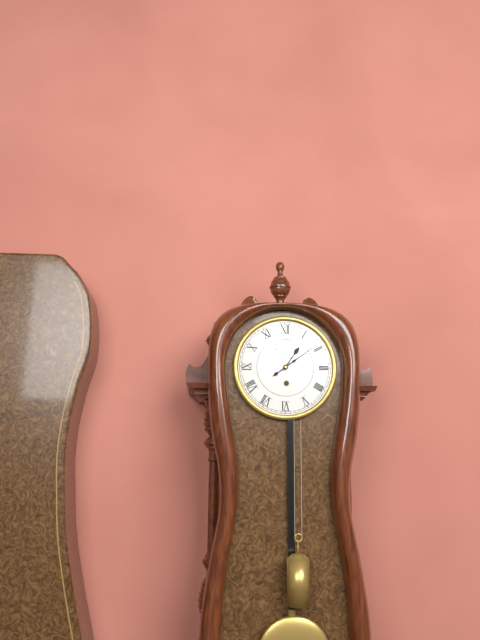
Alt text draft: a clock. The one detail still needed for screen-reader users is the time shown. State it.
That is 1:09
